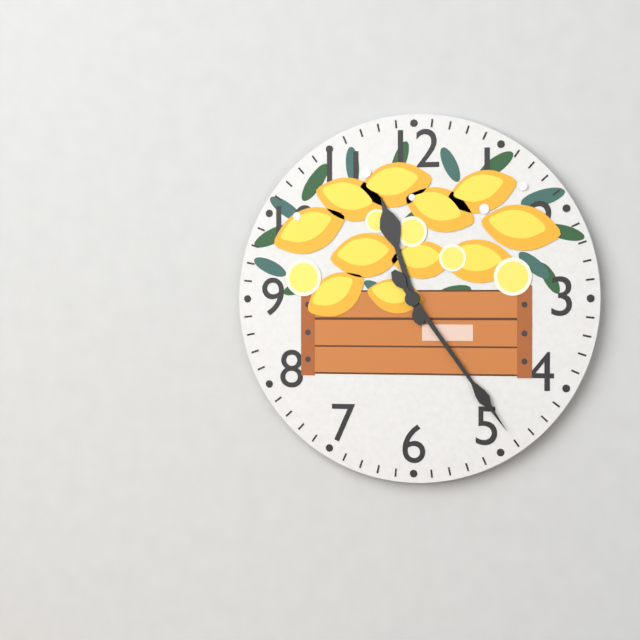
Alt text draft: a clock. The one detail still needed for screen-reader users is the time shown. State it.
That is 11:24
